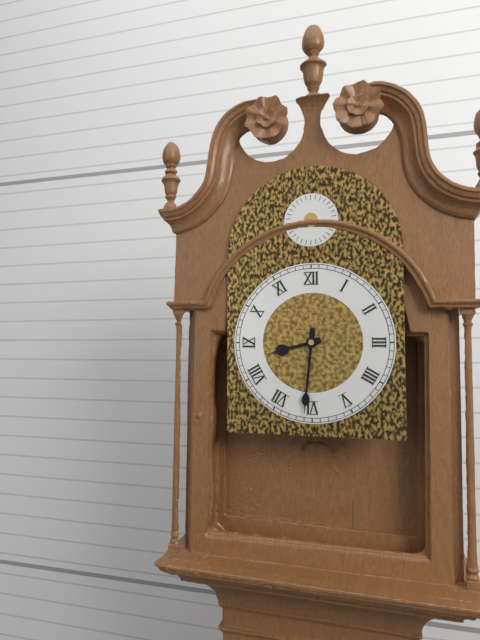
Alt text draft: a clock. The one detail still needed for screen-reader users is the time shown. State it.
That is 8:31
